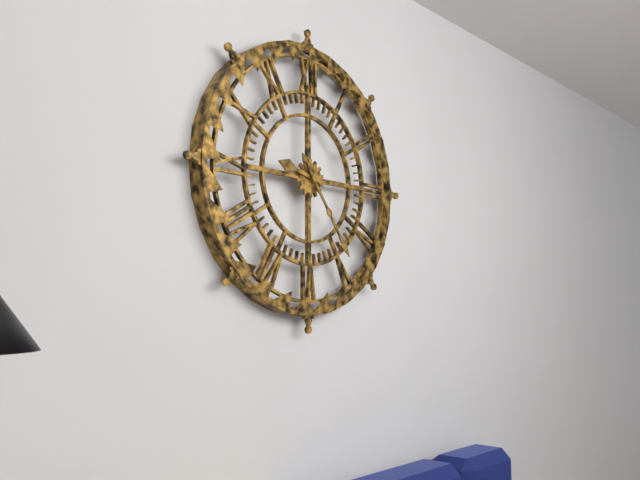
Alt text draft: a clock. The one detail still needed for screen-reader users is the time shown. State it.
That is 9:24
